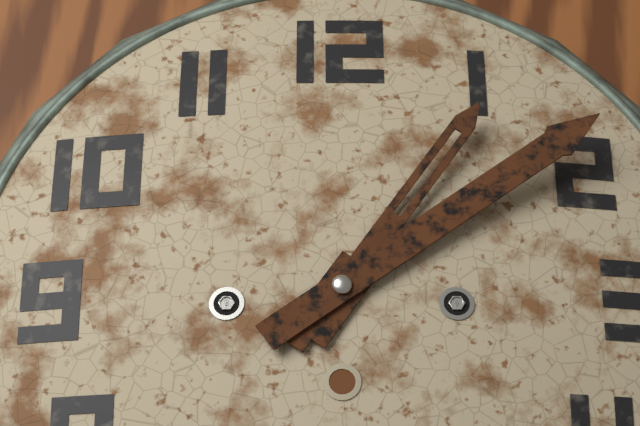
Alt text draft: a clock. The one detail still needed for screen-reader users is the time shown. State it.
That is 1:09
